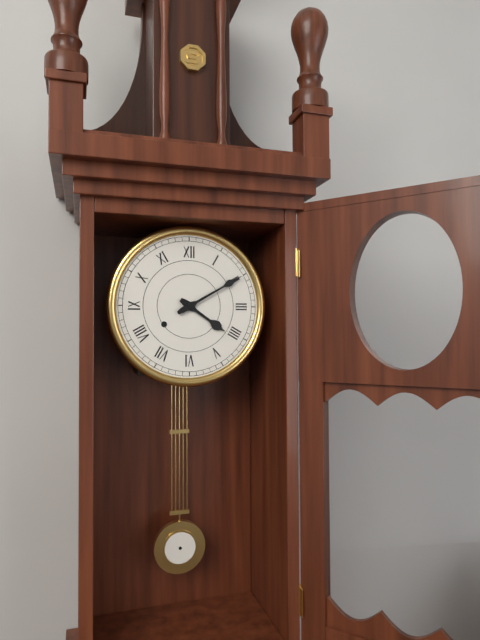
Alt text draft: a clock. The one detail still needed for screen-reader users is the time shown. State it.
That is 4:10
